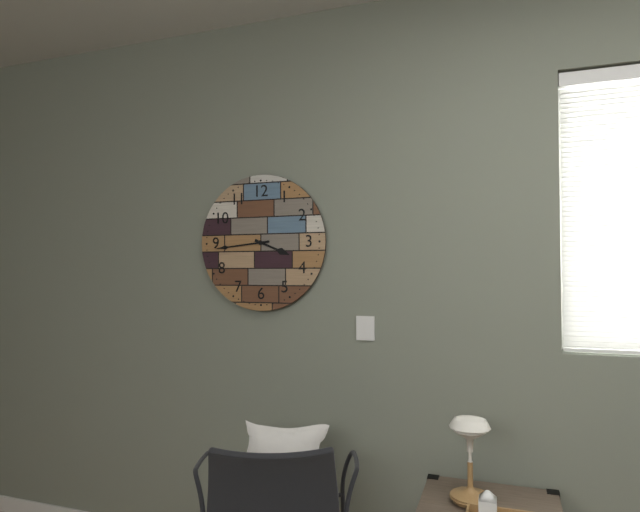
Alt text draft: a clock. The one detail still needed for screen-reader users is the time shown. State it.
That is 3:44
